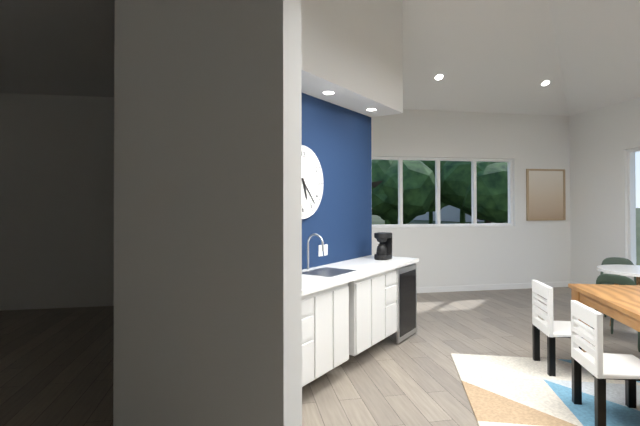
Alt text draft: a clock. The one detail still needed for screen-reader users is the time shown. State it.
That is 5:23
